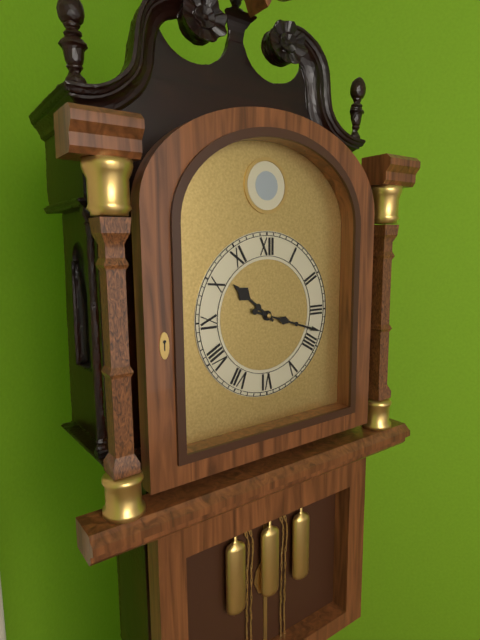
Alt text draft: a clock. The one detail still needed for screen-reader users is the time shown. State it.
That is 10:18
